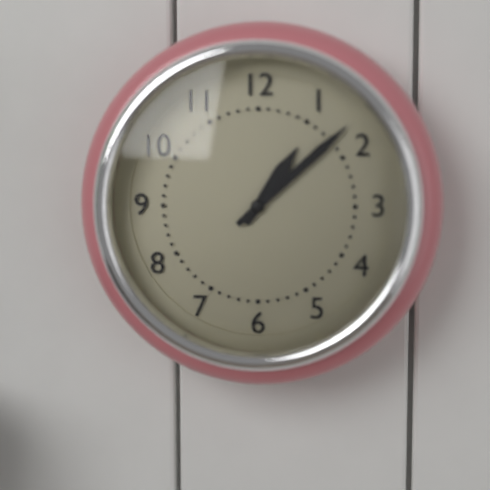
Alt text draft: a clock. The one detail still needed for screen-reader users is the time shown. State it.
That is 1:08
